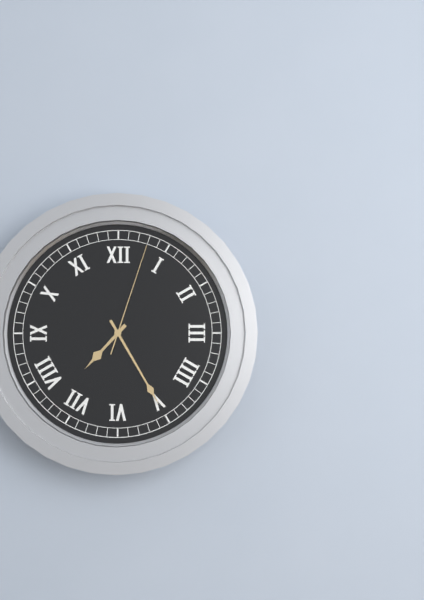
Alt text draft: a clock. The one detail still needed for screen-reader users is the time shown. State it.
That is 7:25:03
